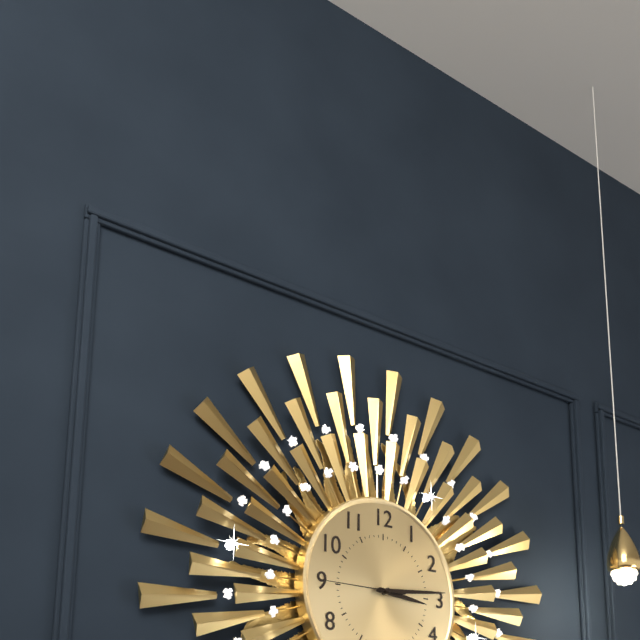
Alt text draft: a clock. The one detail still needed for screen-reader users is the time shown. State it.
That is 3:14:45
